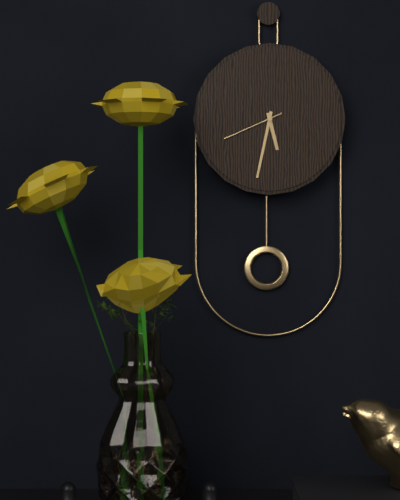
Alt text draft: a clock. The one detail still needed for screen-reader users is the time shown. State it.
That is 5:32:41
